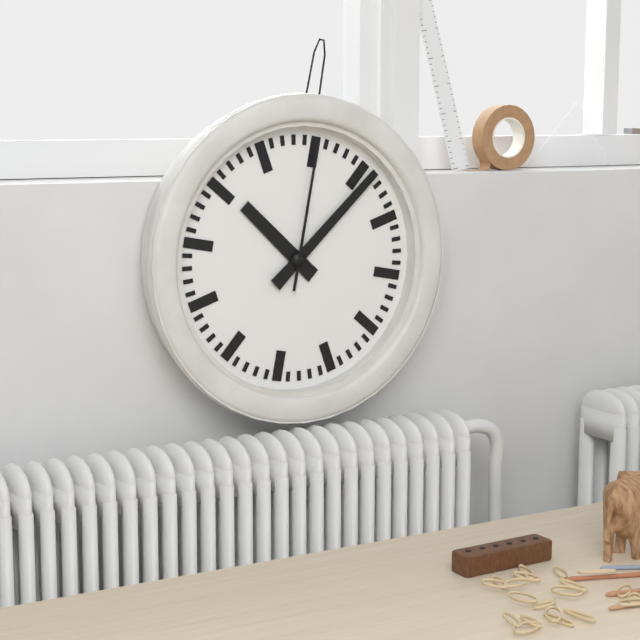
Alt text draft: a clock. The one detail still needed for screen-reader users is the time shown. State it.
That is 10:06:00
